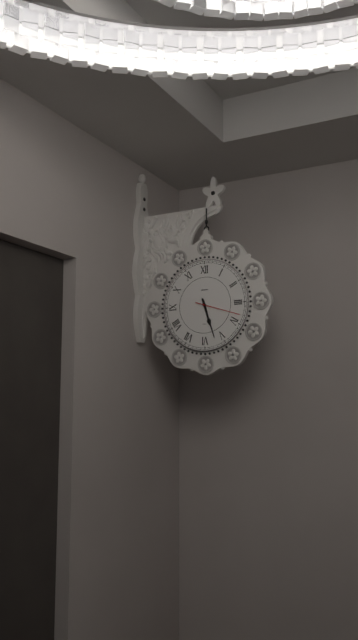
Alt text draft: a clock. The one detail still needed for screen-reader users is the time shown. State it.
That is 5:27
